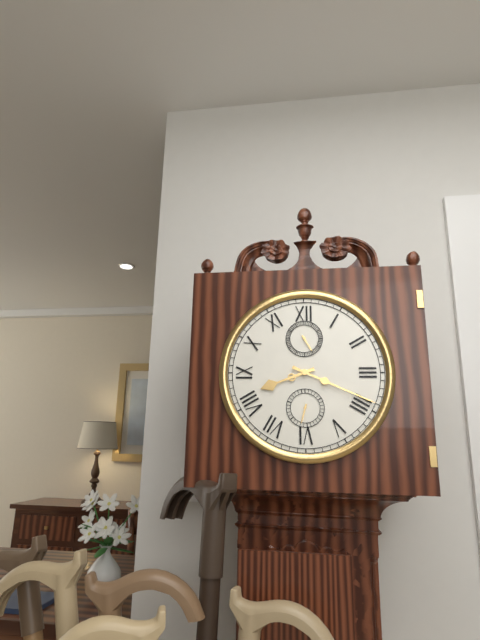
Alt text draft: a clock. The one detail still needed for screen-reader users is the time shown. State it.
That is 8:19
